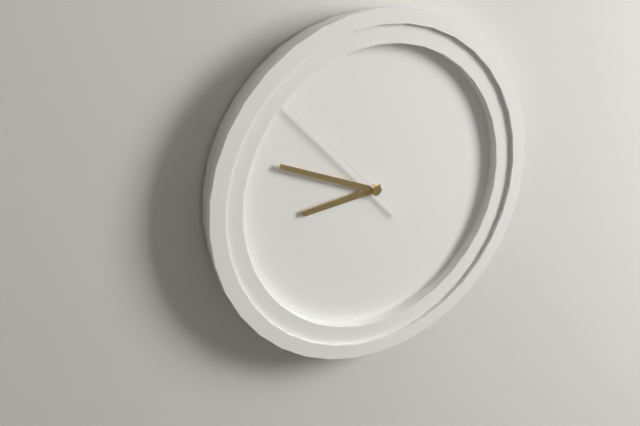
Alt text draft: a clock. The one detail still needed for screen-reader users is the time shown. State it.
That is 8:49:53
